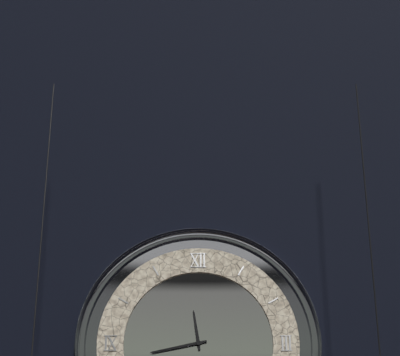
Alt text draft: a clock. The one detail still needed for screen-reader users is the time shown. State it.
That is 11:43
